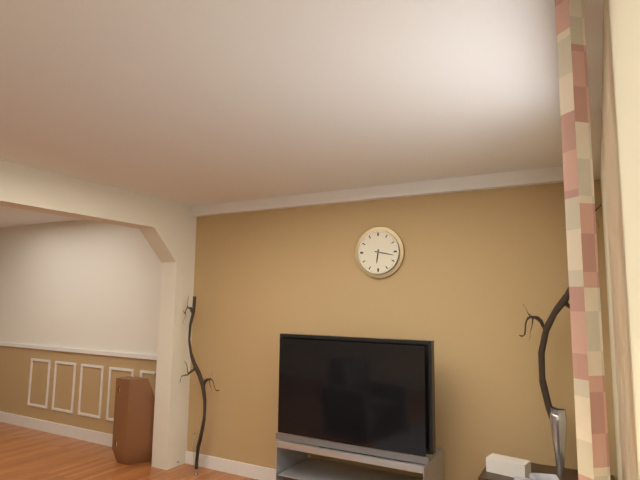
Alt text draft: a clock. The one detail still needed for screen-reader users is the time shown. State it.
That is 6:17
